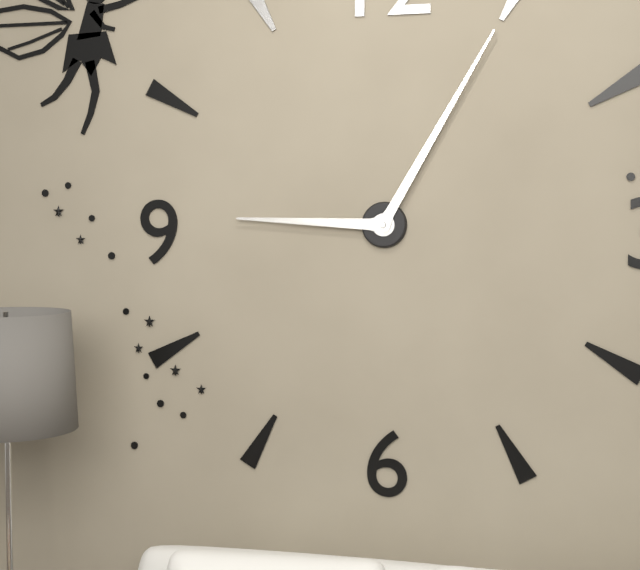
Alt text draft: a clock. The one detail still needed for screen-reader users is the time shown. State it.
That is 9:05
